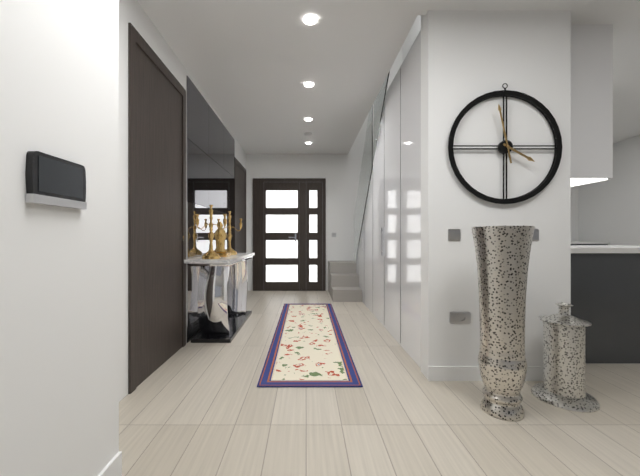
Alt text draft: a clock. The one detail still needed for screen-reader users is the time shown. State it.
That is 3:58
